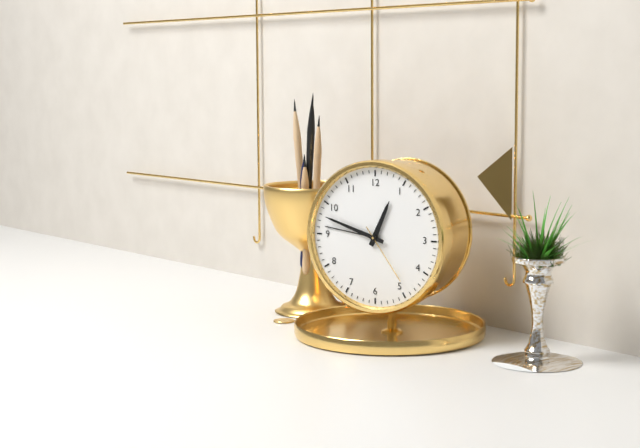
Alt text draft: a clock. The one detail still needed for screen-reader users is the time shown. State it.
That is 12:48:24
